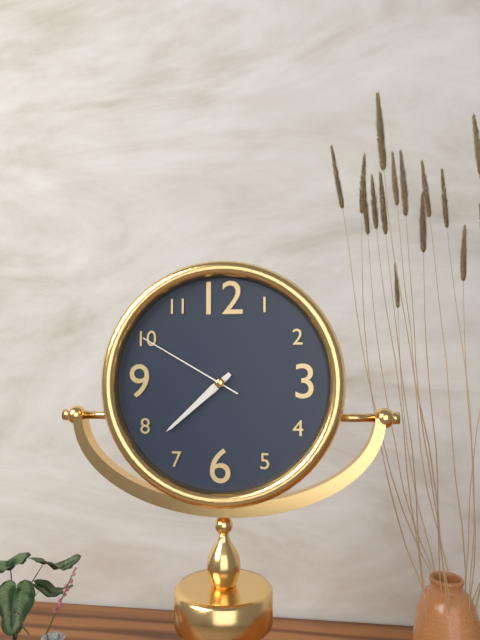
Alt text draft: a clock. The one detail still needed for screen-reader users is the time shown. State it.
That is 7:38:50
